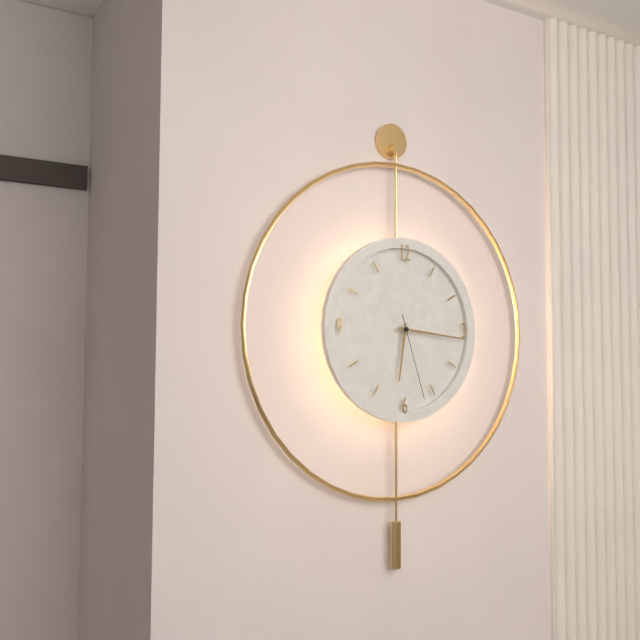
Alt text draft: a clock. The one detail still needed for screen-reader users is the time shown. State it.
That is 6:16:27
